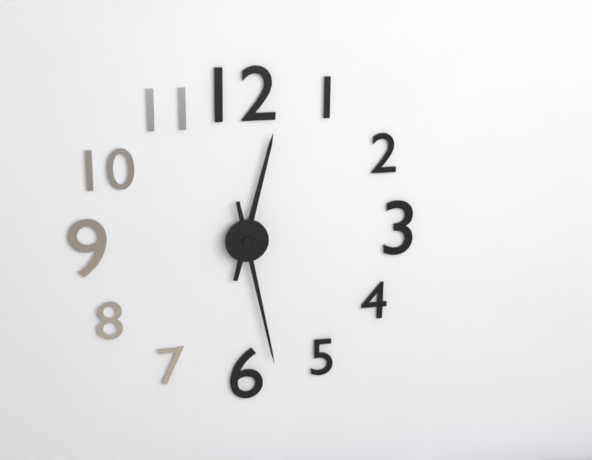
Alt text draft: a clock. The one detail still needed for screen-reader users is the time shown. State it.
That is 12:28
